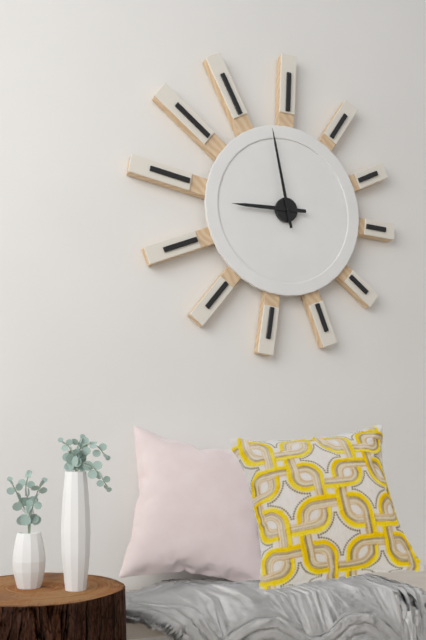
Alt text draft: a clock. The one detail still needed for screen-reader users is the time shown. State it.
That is 8:58
